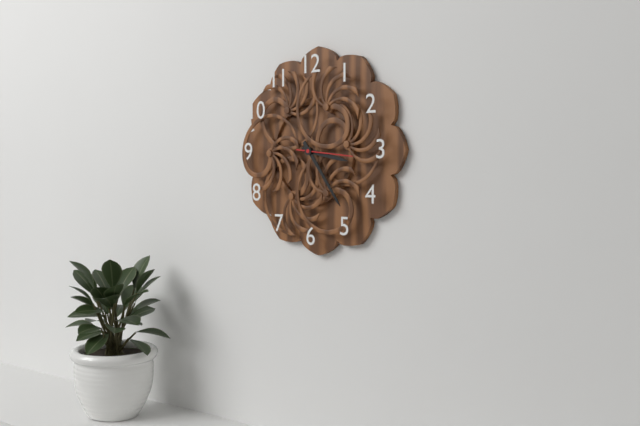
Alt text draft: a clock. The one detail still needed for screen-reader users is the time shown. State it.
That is 3:24:16
